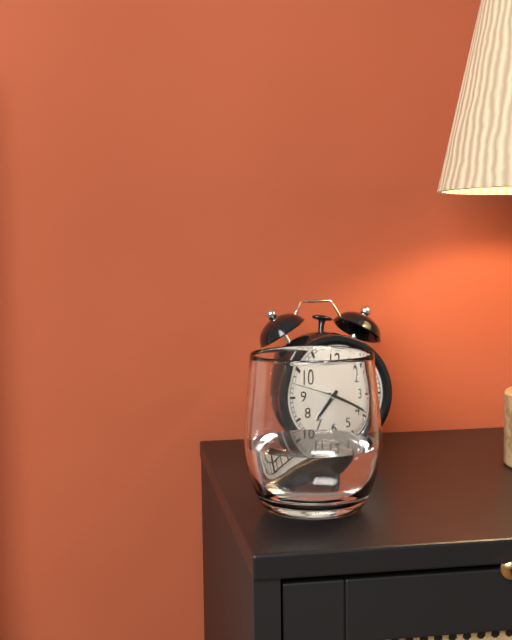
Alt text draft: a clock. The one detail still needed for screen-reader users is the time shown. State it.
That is 7:19:48
